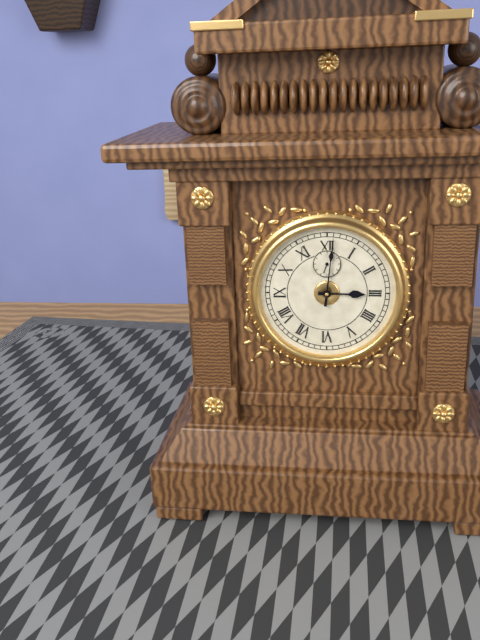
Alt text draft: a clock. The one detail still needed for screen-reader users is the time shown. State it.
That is 3:01
